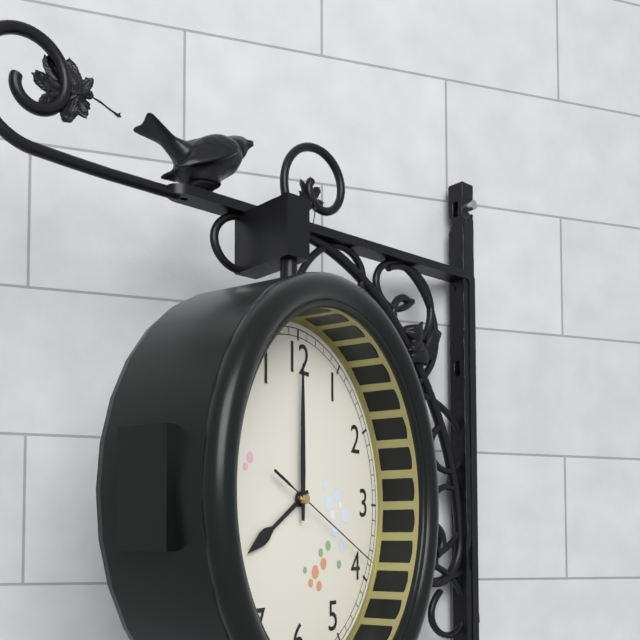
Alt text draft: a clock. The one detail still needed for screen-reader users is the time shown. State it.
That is 8:00:19
